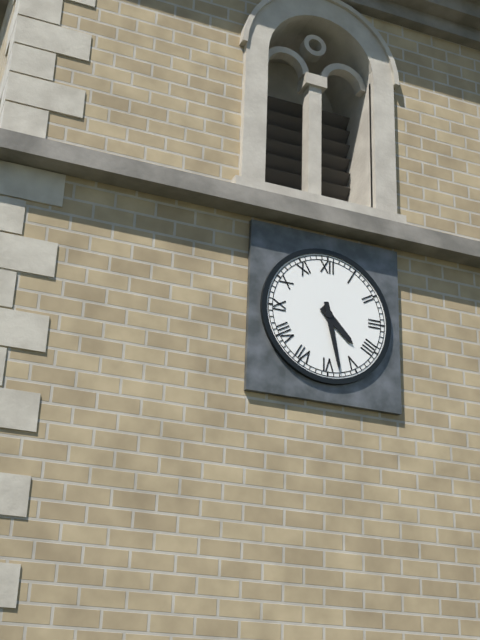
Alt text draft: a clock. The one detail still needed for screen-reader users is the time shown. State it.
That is 4:28
